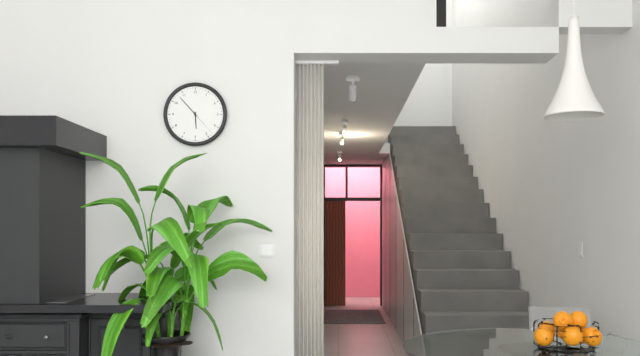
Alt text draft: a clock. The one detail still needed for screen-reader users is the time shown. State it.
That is 5:53
